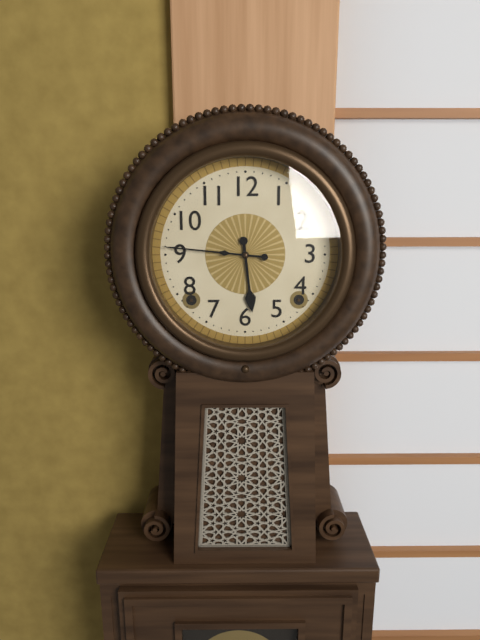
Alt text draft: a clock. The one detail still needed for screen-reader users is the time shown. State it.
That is 5:46
